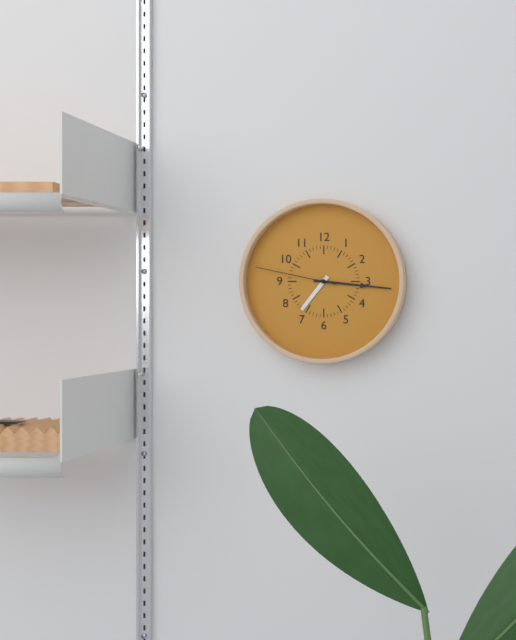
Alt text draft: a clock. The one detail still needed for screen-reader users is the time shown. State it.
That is 7:16:47
